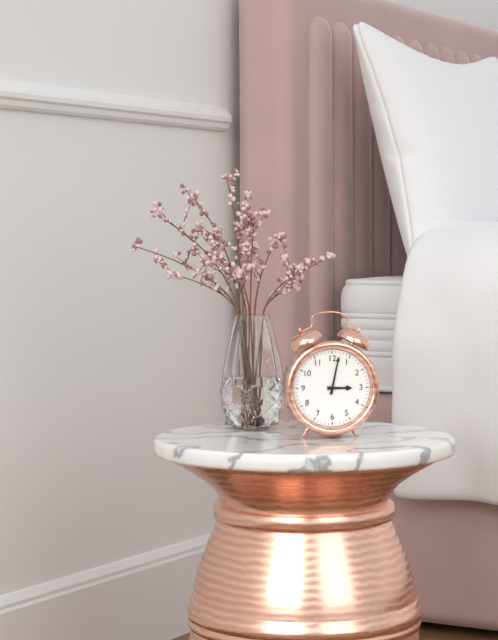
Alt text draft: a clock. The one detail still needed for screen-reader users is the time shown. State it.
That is 3:02
